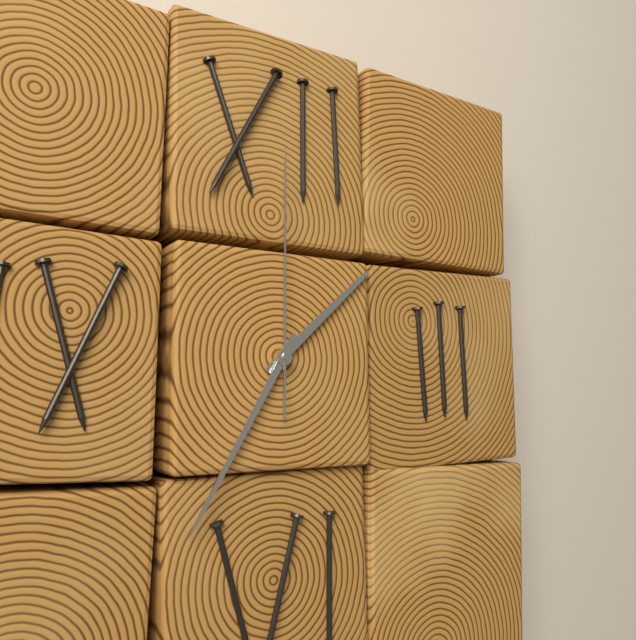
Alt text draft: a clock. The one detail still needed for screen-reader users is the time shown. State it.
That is 1:35:00
